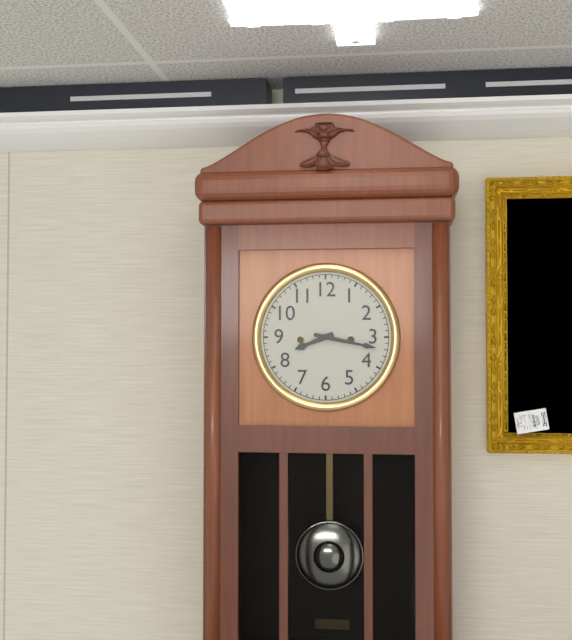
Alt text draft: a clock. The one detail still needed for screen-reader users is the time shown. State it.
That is 8:17
